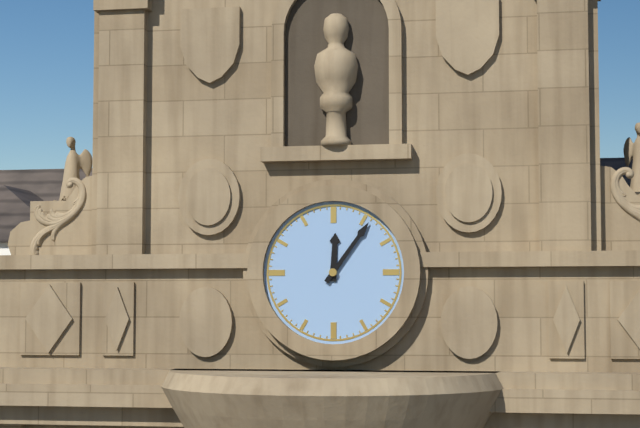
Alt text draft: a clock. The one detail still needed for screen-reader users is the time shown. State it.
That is 12:06
